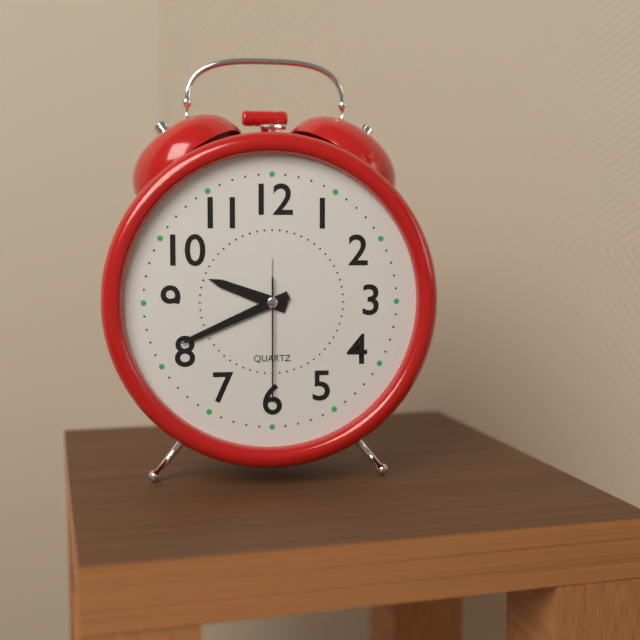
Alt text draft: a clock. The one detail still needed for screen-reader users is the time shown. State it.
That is 9:41:30
